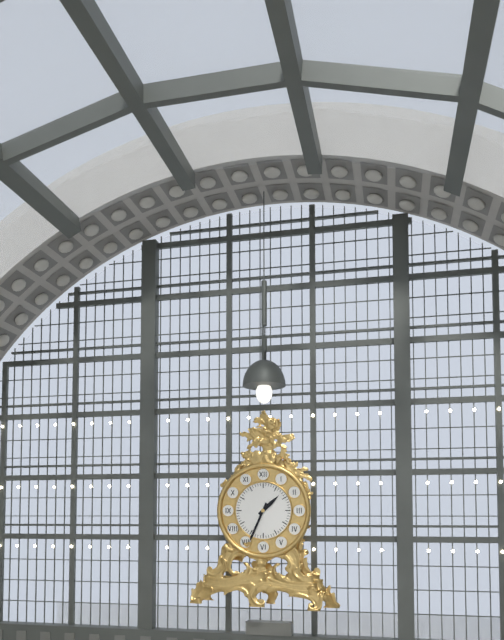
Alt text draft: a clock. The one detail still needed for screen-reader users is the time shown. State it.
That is 1:34
